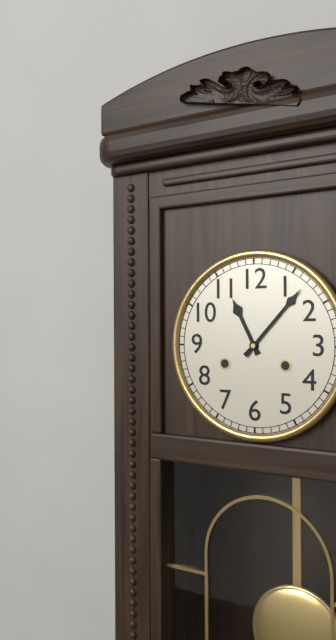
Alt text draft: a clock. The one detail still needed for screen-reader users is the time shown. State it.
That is 11:07
